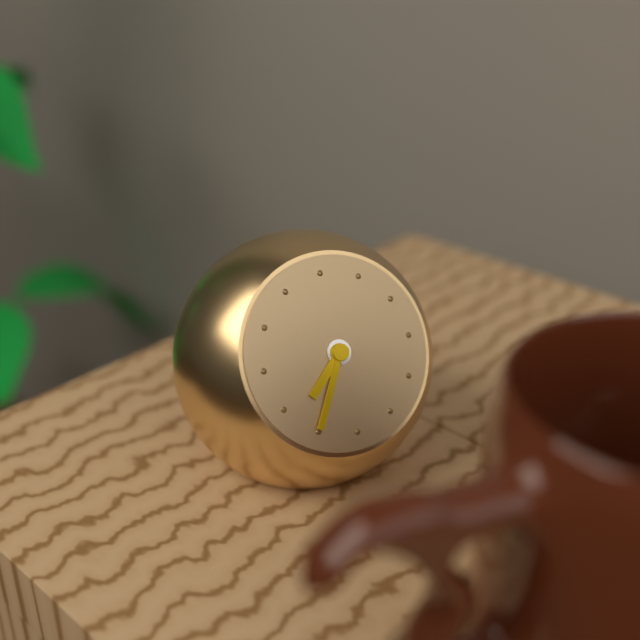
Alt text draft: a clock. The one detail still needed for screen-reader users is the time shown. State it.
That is 7:35
